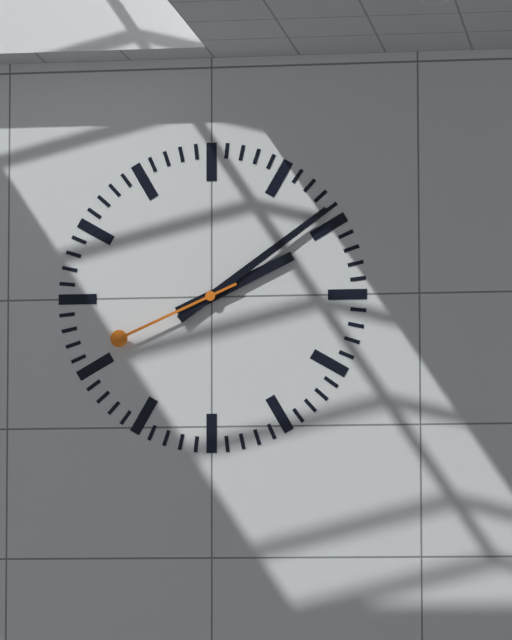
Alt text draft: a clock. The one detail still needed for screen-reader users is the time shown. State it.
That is 2:09:41
